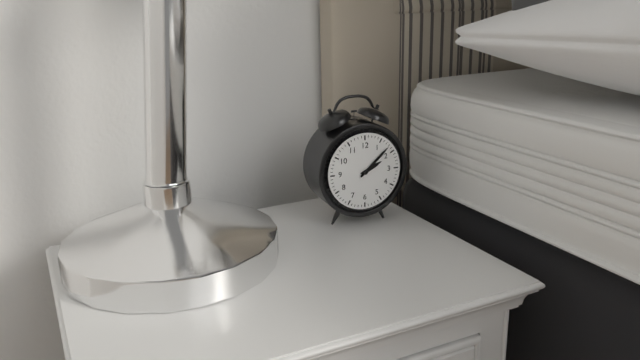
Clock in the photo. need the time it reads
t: 2:08
